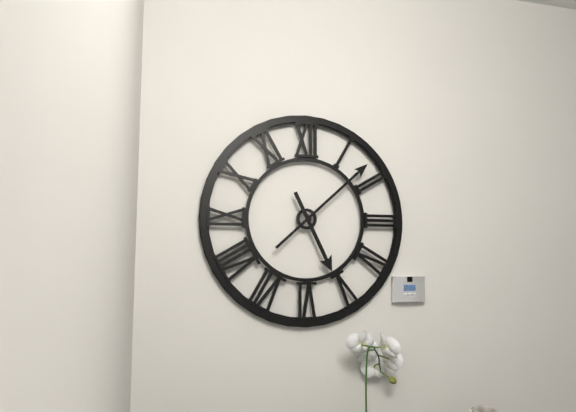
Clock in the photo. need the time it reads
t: 5:08
